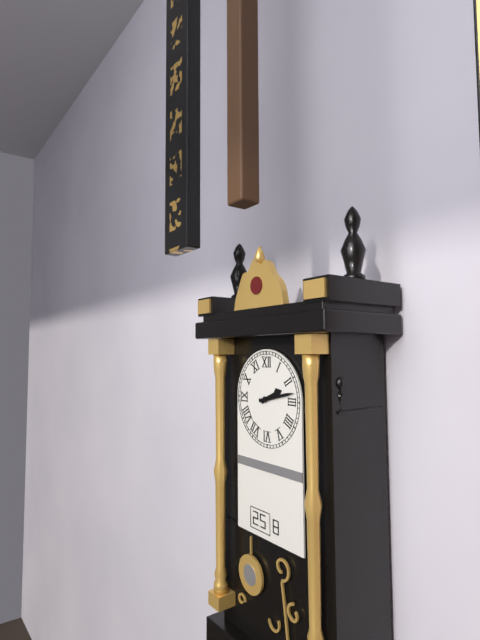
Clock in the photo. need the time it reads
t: 2:13
